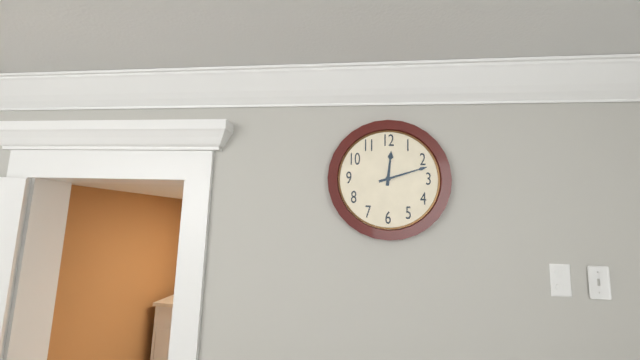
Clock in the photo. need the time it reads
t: 12:12
